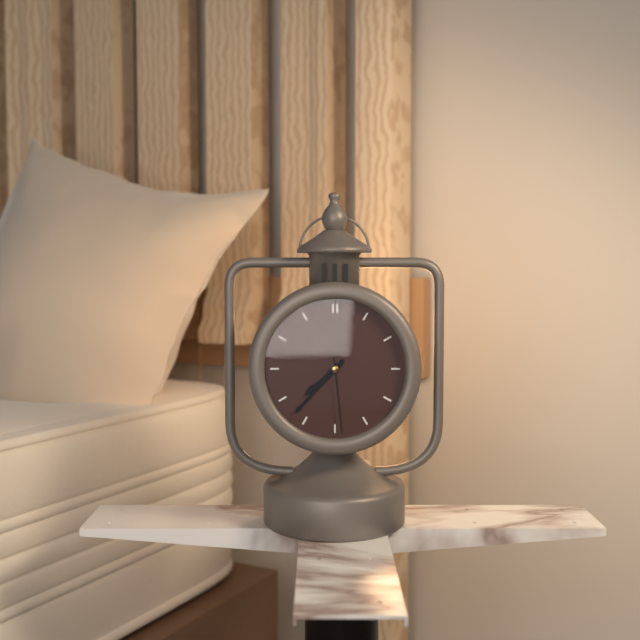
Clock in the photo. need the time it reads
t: 7:37:29
